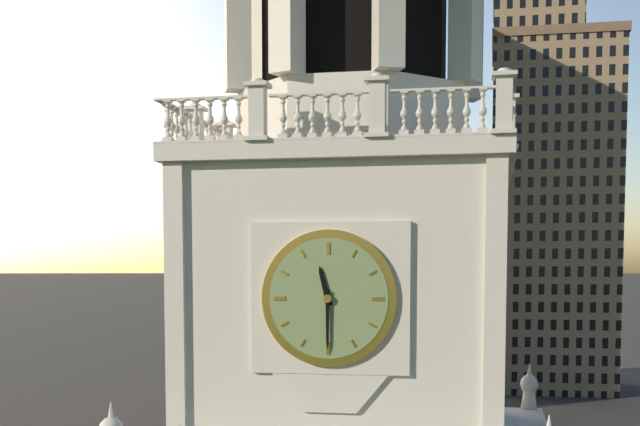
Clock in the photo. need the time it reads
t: 11:30
